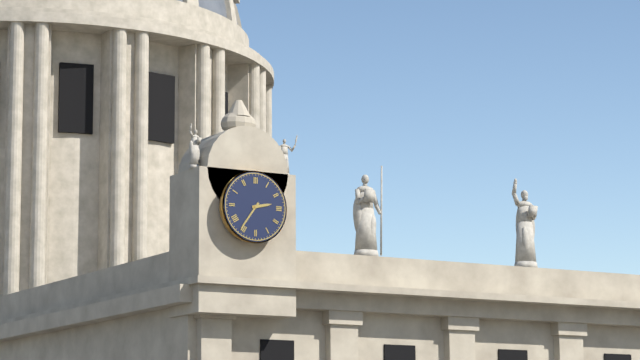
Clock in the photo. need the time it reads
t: 2:36
